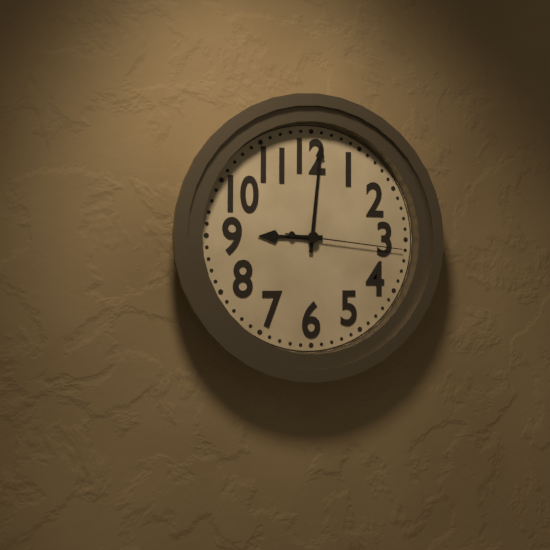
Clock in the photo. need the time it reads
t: 9:01:16
